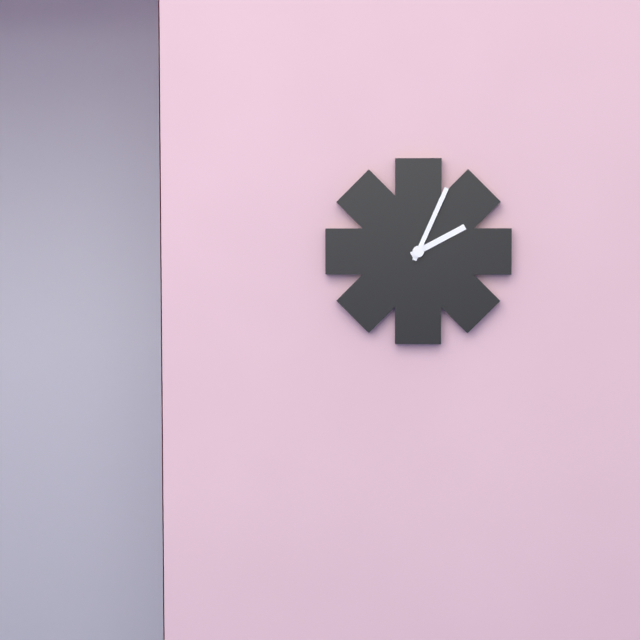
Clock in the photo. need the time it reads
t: 2:04
